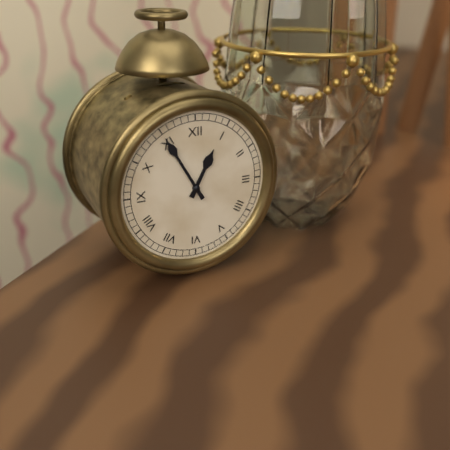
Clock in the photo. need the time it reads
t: 12:55
